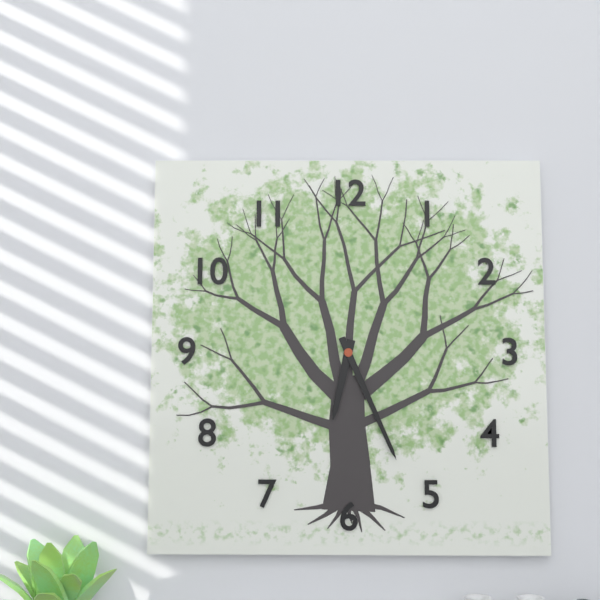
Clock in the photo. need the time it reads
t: 6:26
